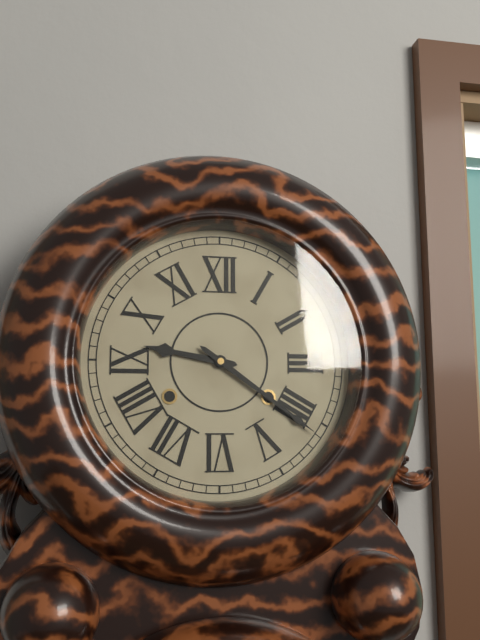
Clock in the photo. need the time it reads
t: 9:21
